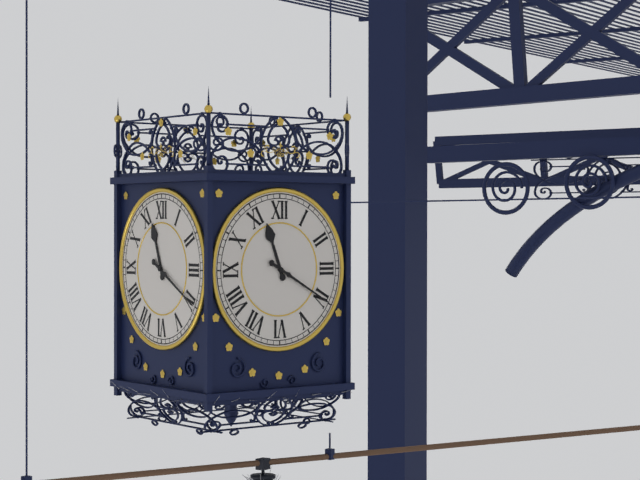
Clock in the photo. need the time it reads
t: 11:20
